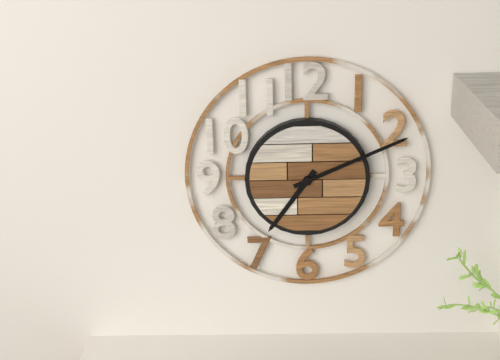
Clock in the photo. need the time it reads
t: 7:11
